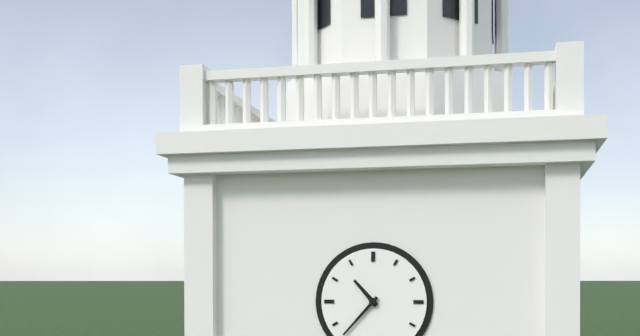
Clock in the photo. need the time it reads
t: 10:37
